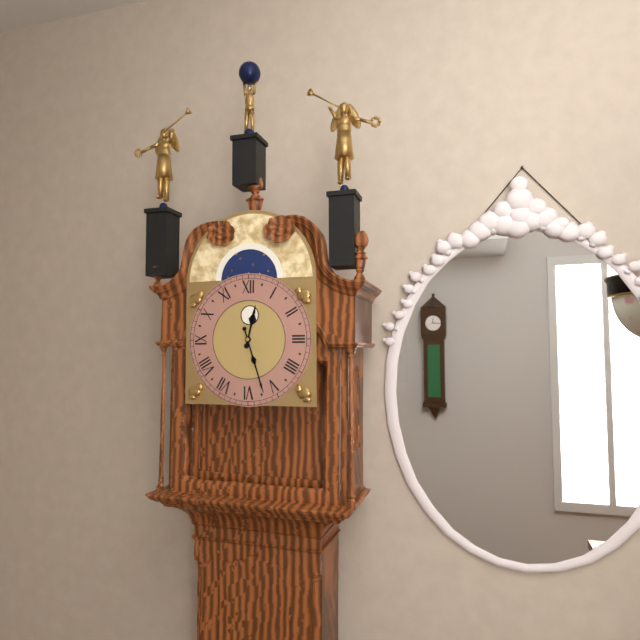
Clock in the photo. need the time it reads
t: 12:27
